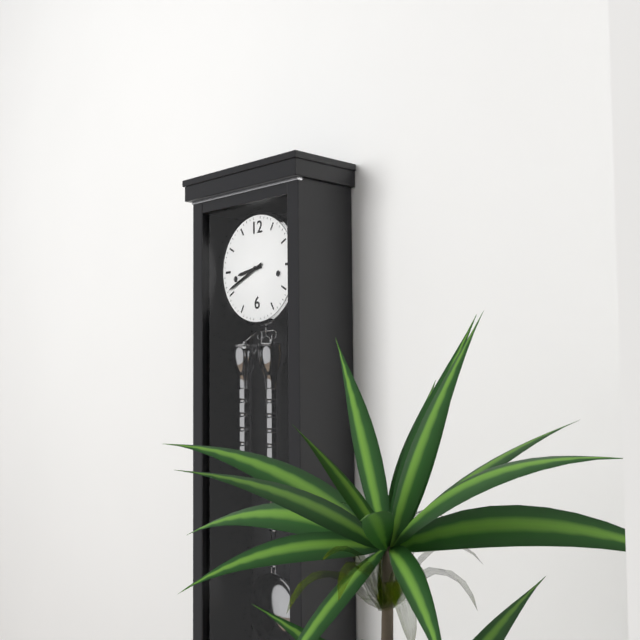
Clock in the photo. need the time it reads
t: 8:41
